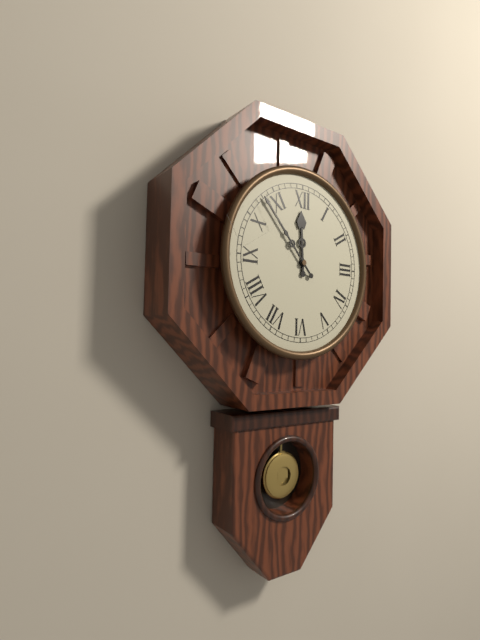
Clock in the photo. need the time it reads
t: 11:53
